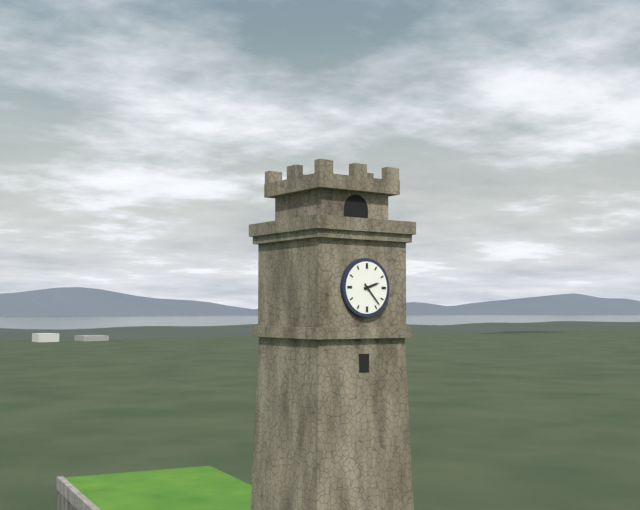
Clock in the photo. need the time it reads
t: 2:23
